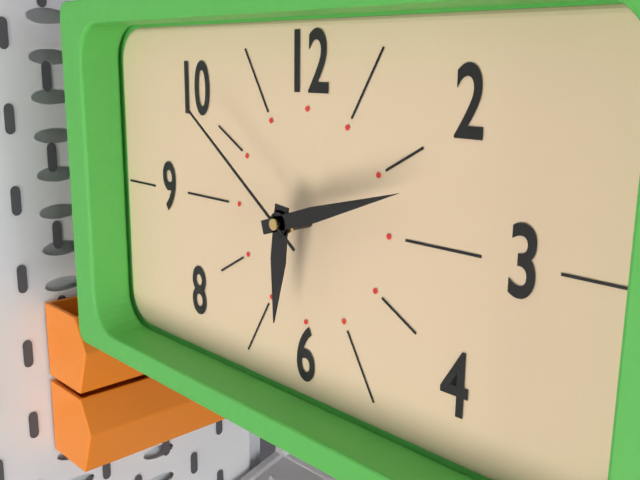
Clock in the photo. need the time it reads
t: 6:12:51
